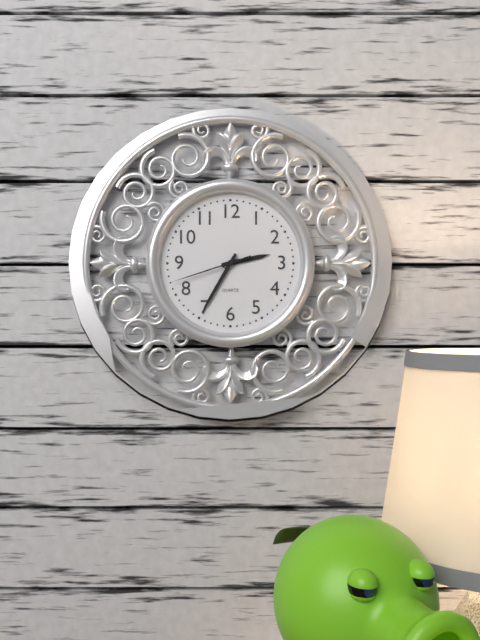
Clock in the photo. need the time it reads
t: 2:35:42
